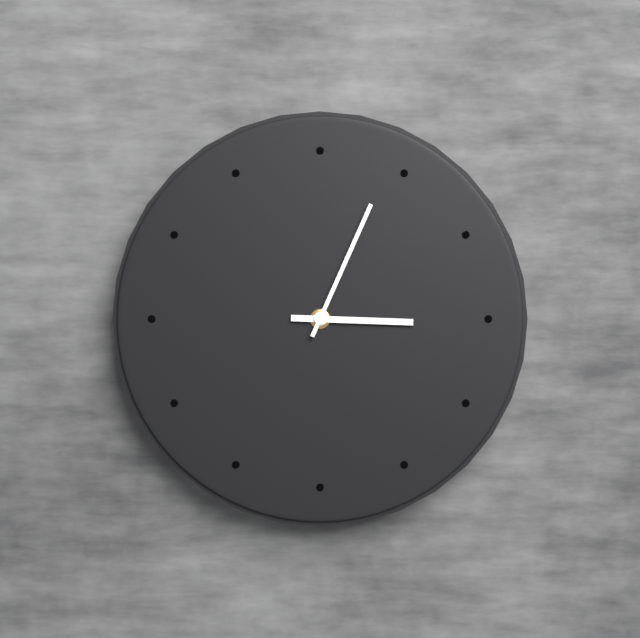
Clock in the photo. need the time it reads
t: 3:04
